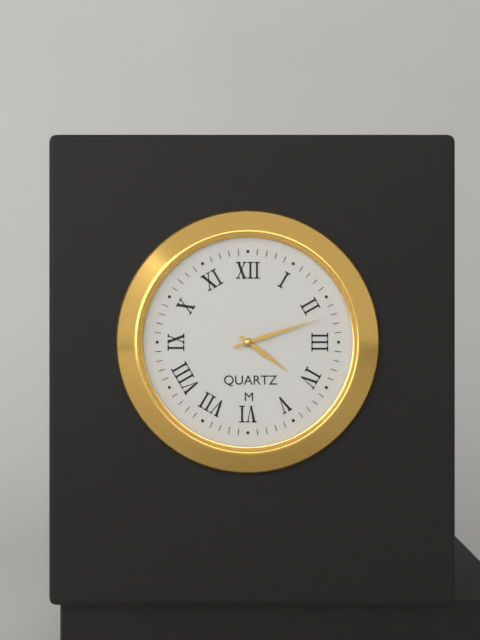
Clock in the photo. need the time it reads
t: 4:12
